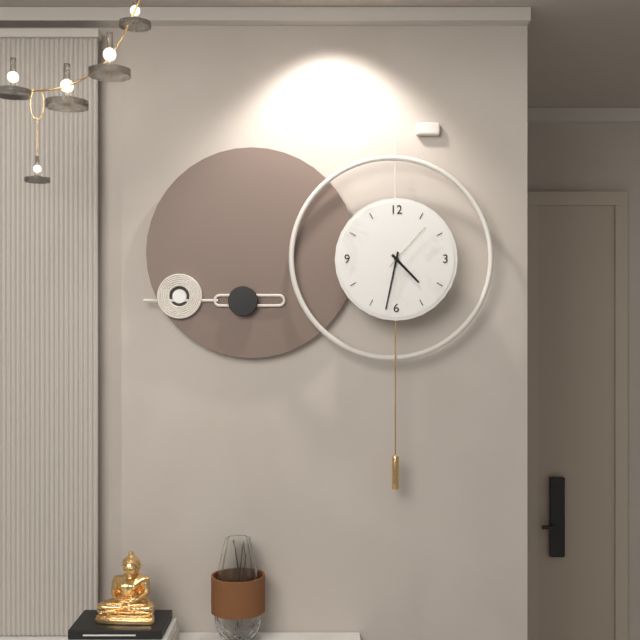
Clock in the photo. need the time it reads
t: 4:32:07
